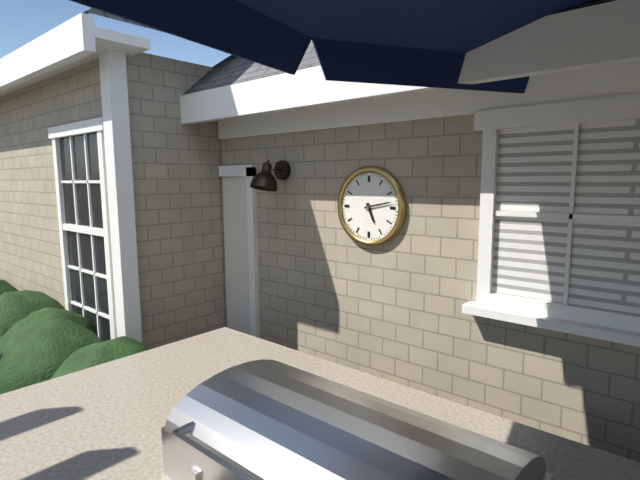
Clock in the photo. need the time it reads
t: 5:13
